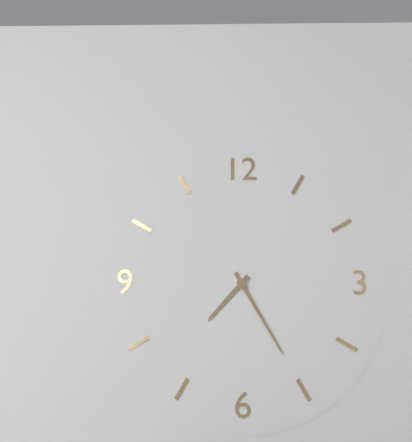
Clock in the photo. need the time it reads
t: 7:25
